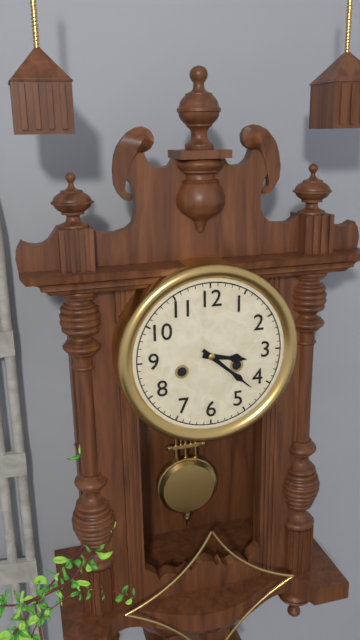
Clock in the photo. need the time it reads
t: 3:22
